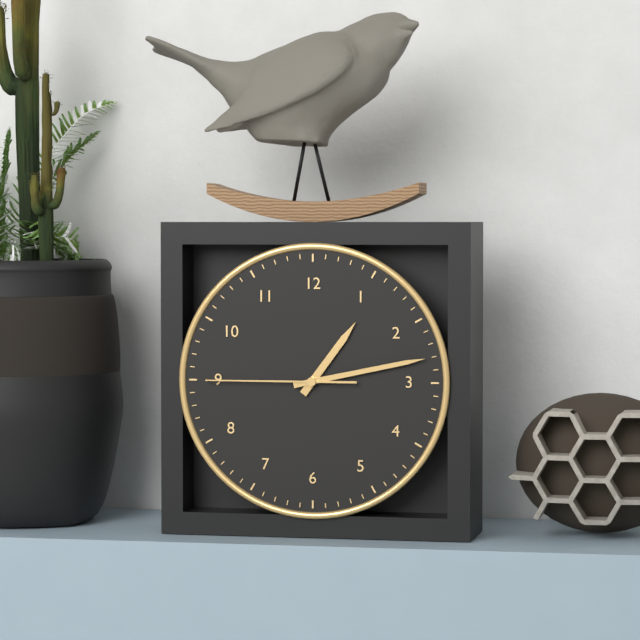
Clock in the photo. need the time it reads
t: 1:13:45
